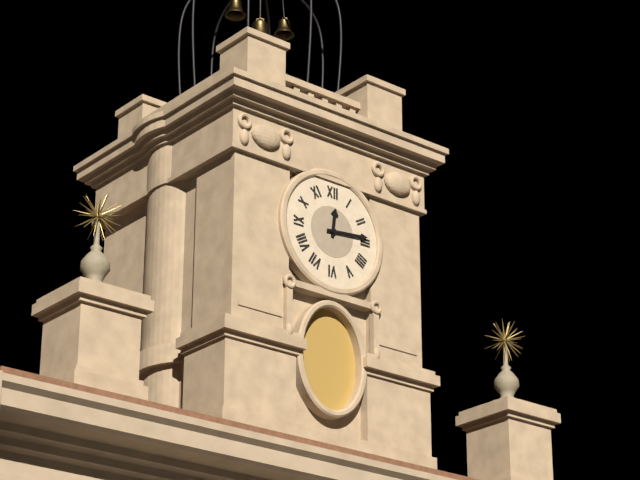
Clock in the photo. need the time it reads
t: 12:14
